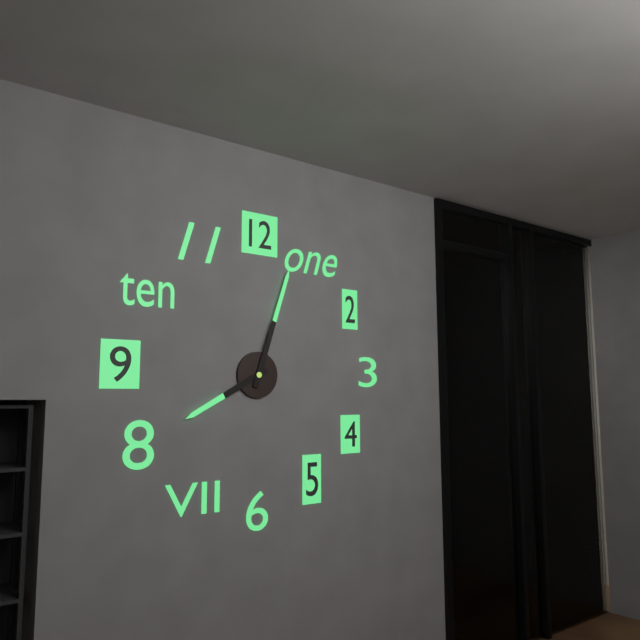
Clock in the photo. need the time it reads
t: 8:03
